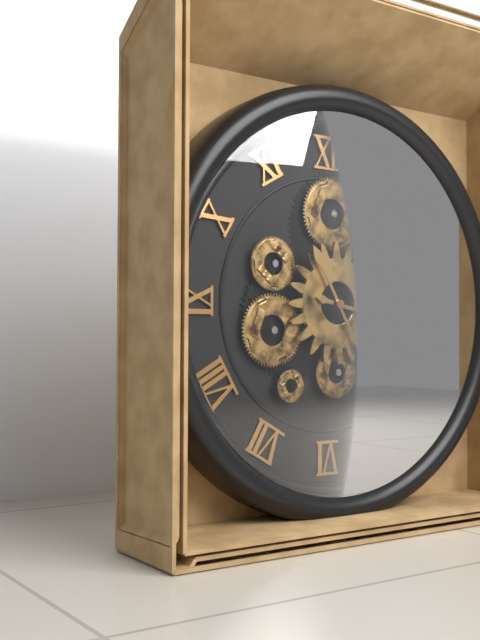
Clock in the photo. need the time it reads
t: 3:25
